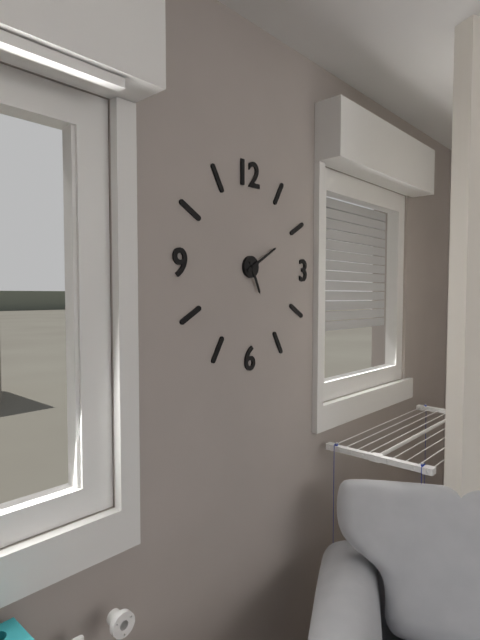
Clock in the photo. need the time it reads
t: 5:10
